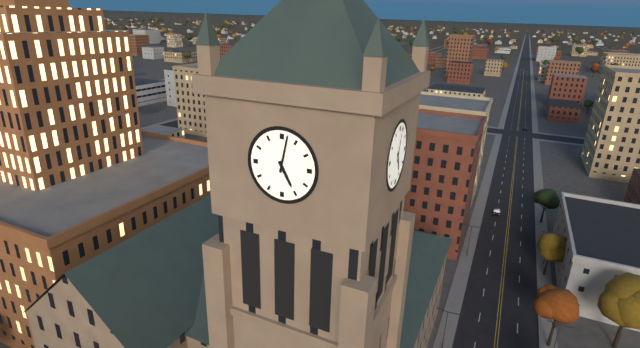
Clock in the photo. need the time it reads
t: 5:02
